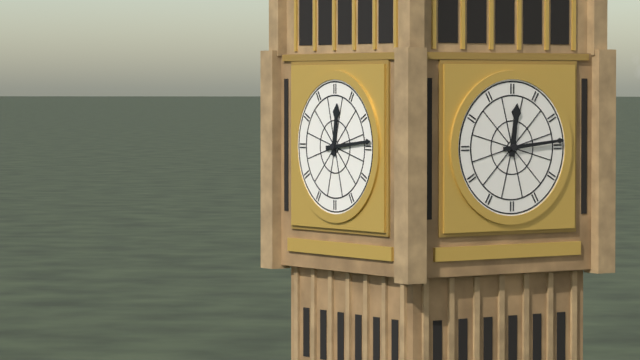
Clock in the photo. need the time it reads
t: 12:14
